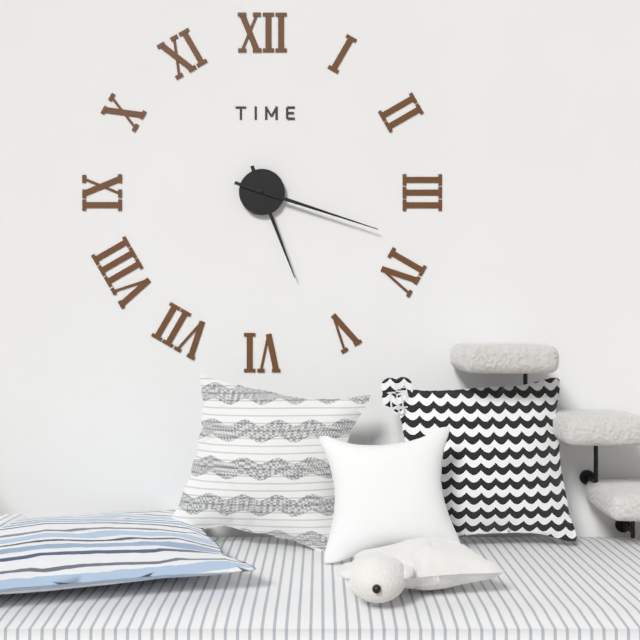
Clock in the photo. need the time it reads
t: 5:18
